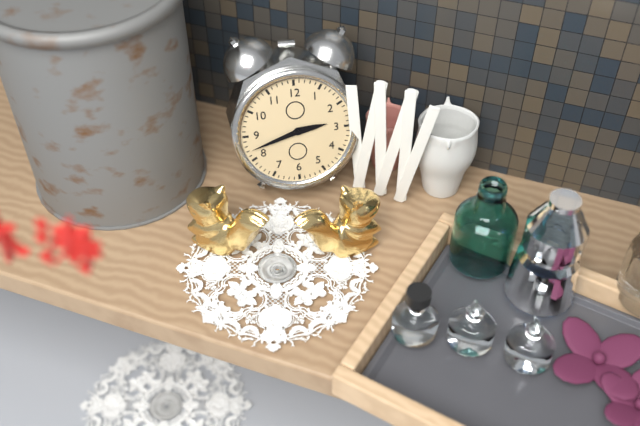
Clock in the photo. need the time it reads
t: 2:42
